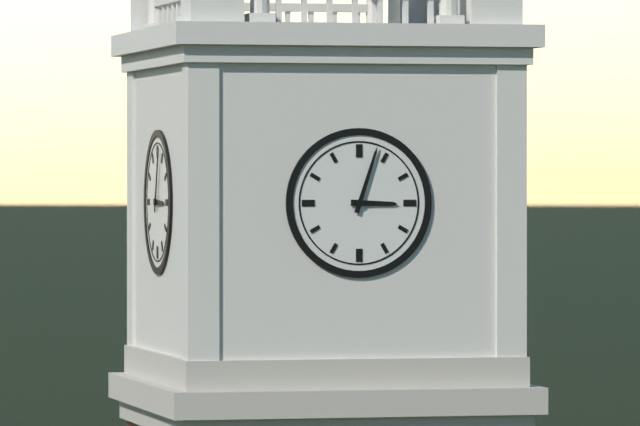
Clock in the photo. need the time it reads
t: 3:03
